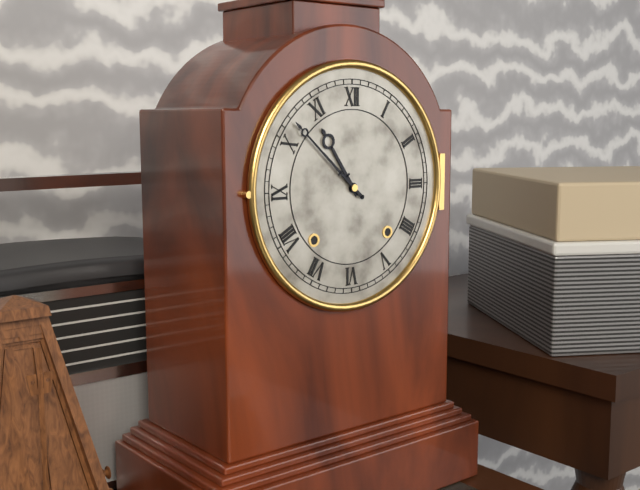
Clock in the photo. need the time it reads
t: 10:52
